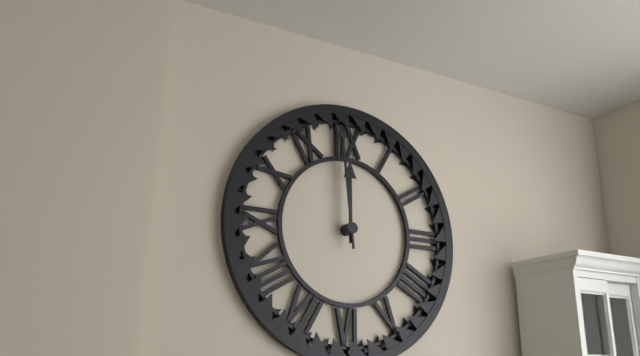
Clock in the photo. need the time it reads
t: 11:59
